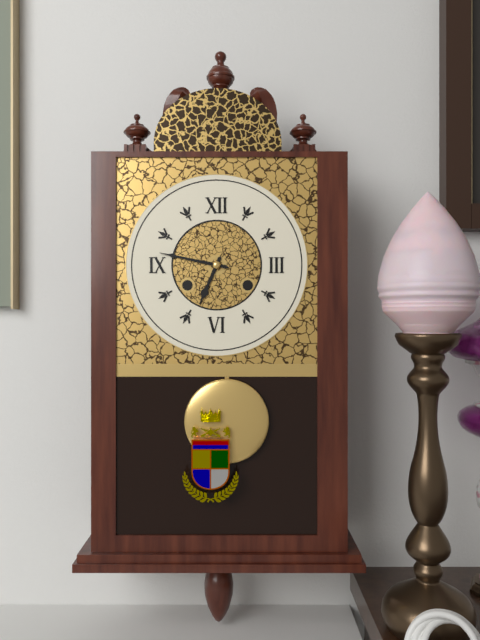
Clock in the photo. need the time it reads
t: 6:47
